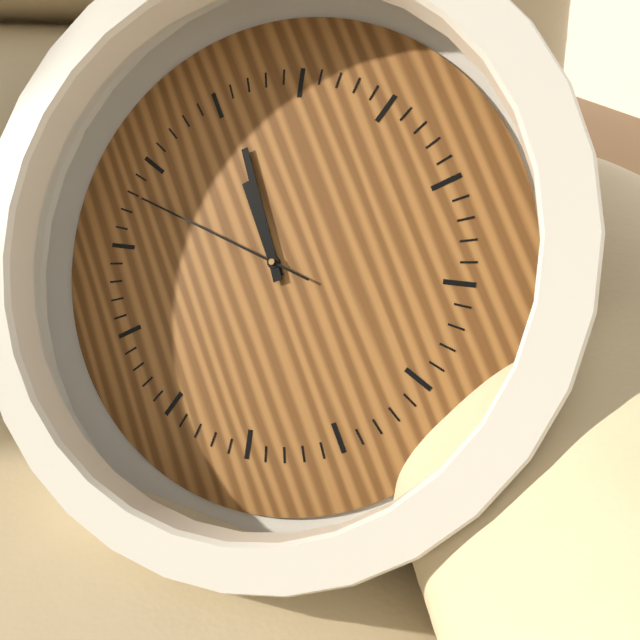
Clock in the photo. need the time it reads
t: 12:01:53
